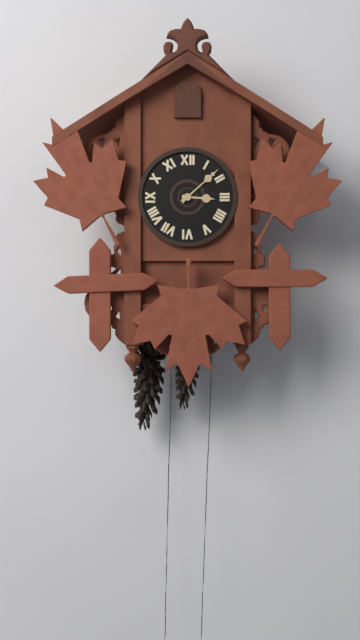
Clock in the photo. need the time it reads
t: 3:08
